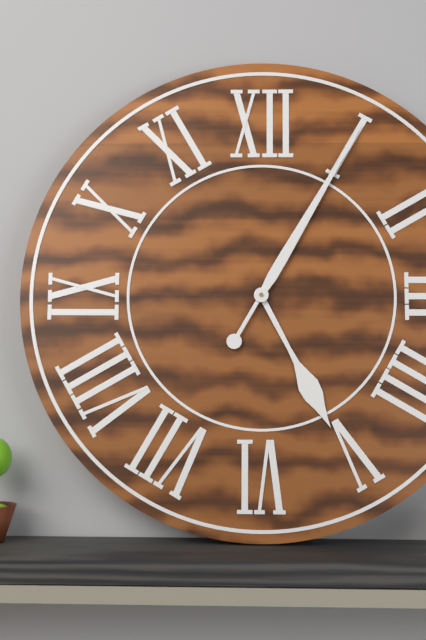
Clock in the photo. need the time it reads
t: 5:05
